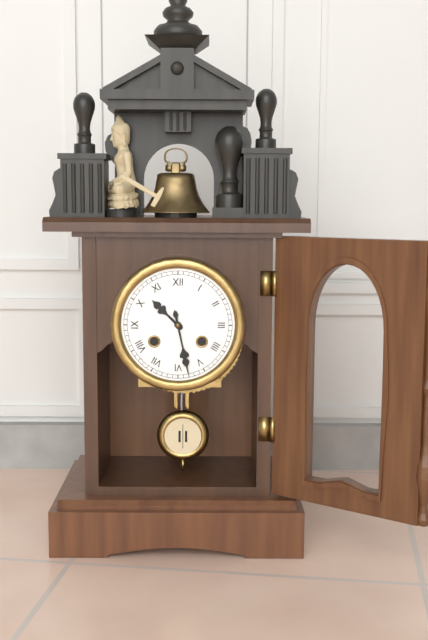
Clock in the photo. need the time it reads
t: 10:28
